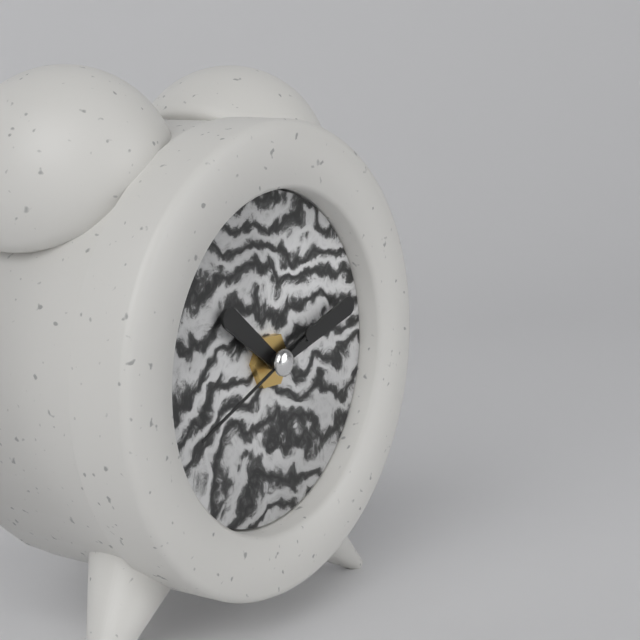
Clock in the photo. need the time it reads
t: 10:12:41
